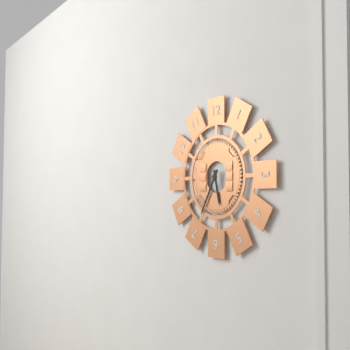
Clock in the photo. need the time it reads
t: 5:35
